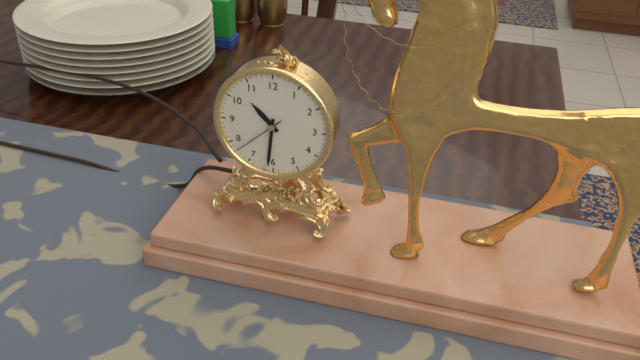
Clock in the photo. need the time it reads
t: 10:31:38
